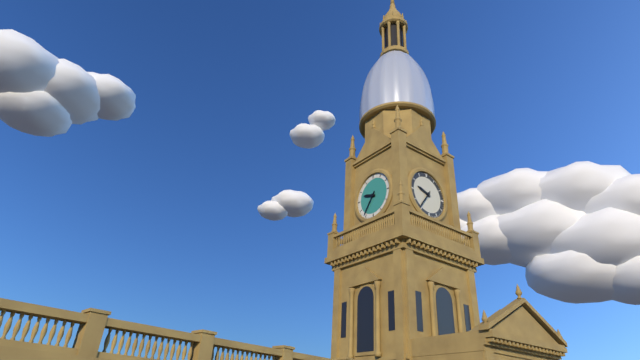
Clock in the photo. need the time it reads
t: 9:36
